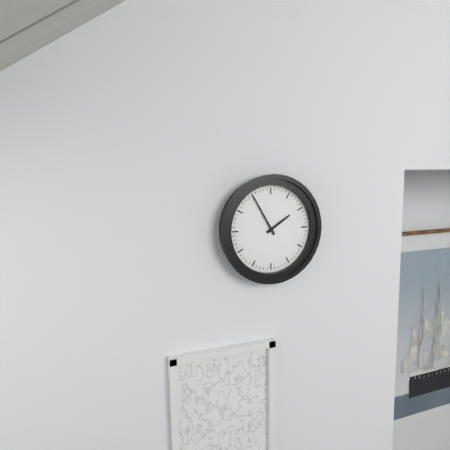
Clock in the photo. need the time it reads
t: 1:55
